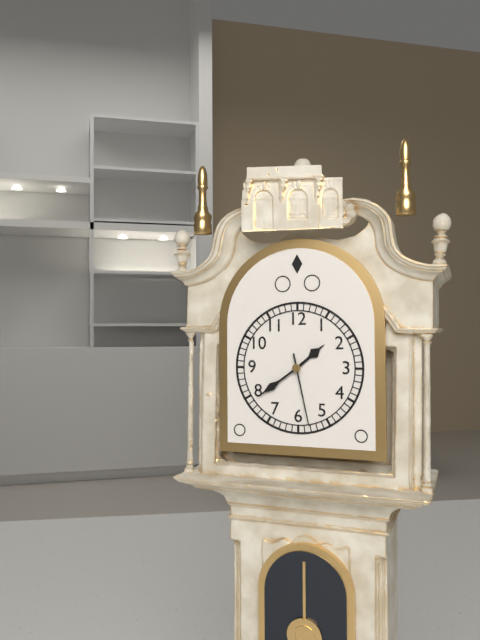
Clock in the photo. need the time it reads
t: 1:39:28
